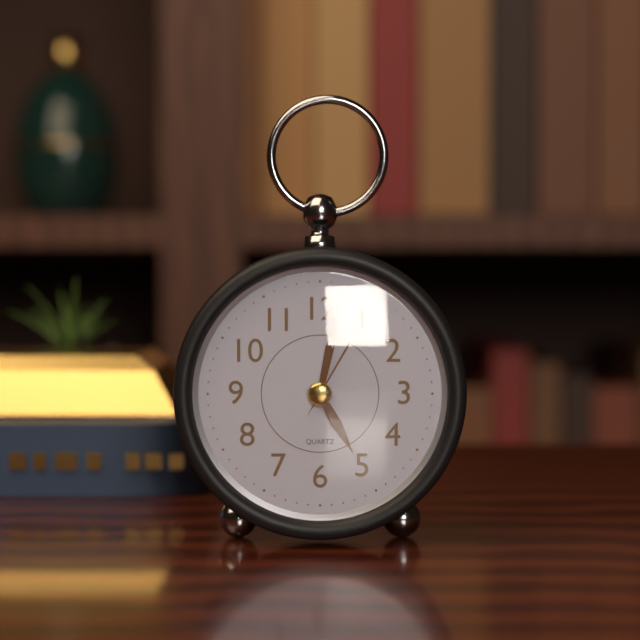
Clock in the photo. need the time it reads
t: 5:02:05
